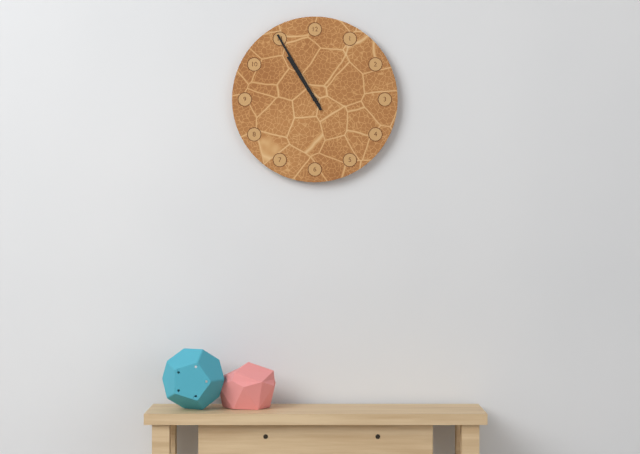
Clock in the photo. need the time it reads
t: 10:55
